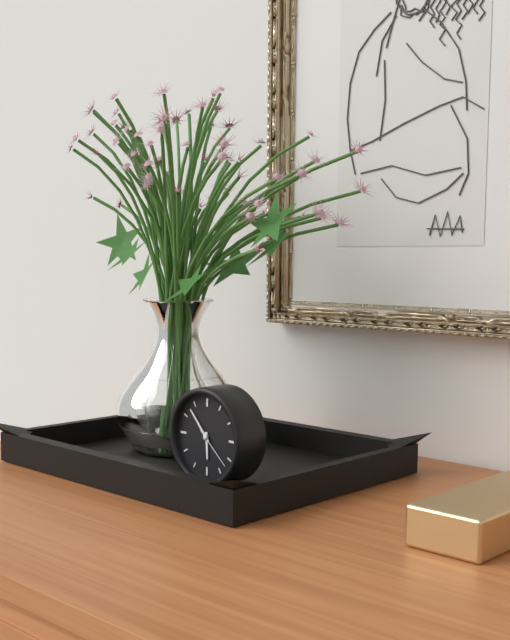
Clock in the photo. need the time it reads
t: 5:53
